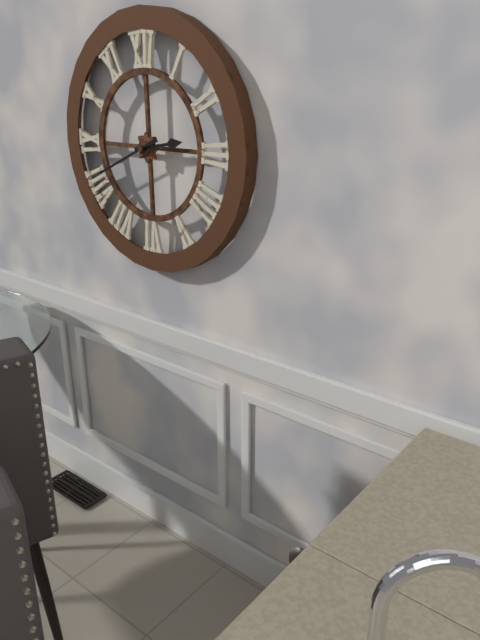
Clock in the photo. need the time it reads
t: 2:41
